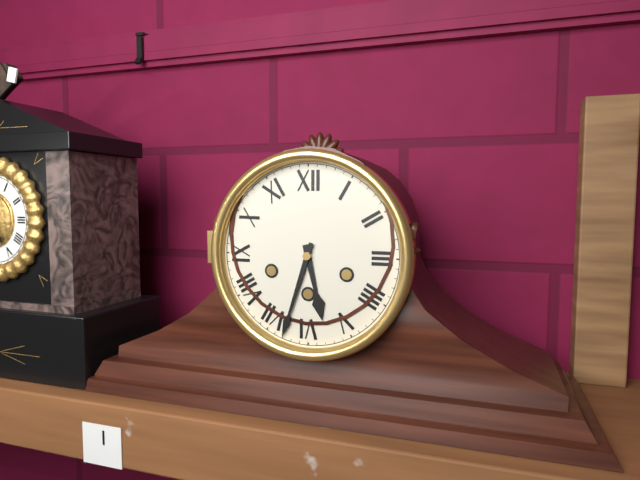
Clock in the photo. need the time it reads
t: 5:33
